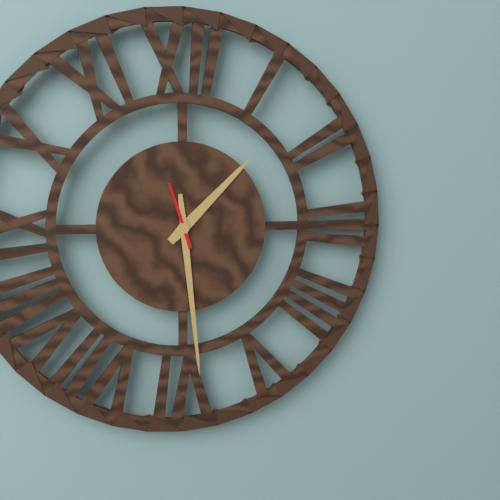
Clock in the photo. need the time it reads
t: 1:29:57
